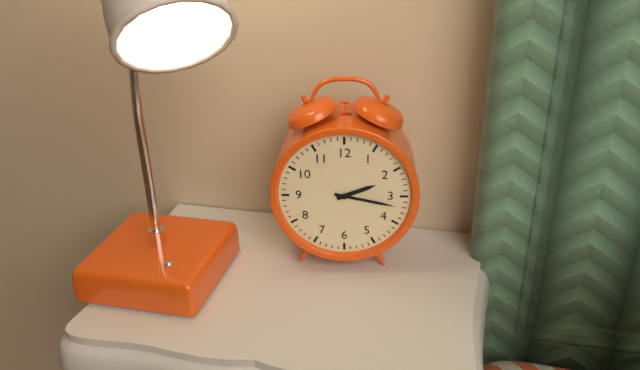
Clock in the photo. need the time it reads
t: 2:17
